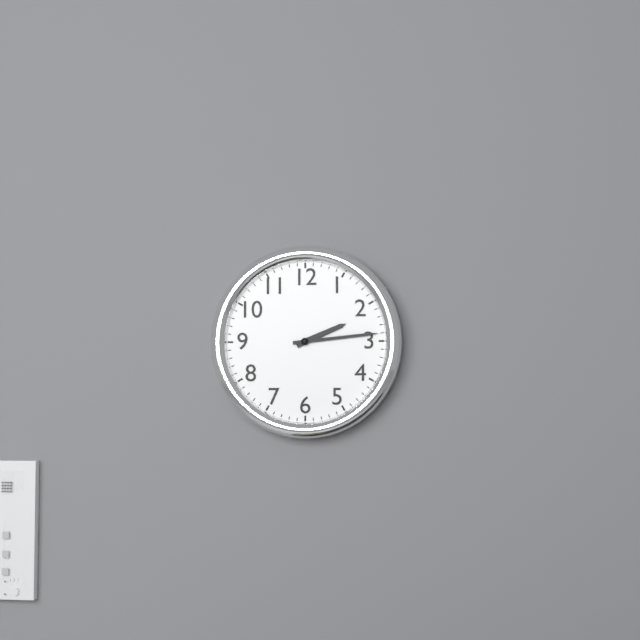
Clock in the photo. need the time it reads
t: 2:14
